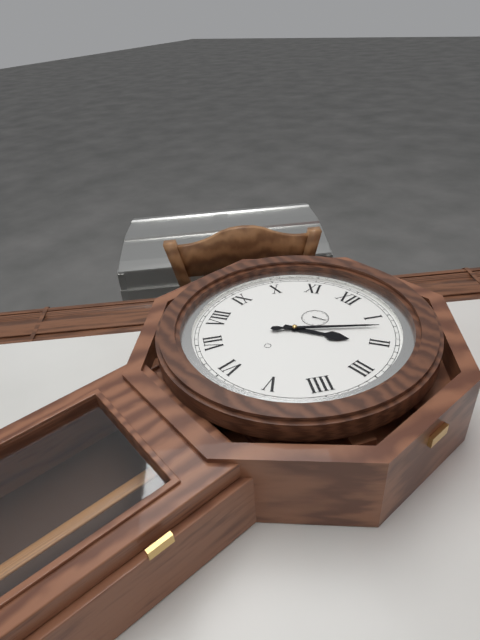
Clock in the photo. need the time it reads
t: 2:07
